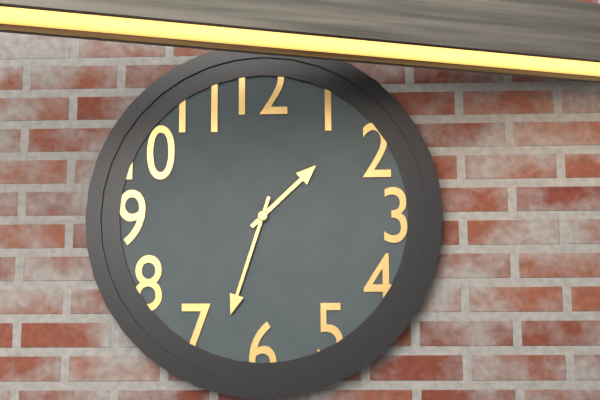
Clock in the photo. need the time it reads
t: 1:33
